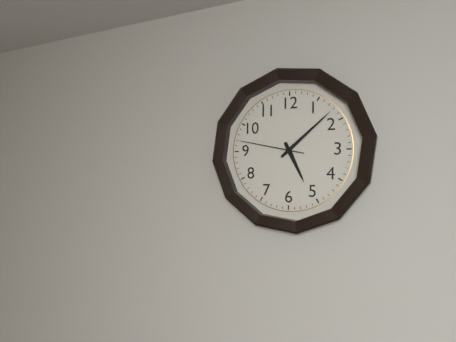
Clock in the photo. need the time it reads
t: 5:08:47
